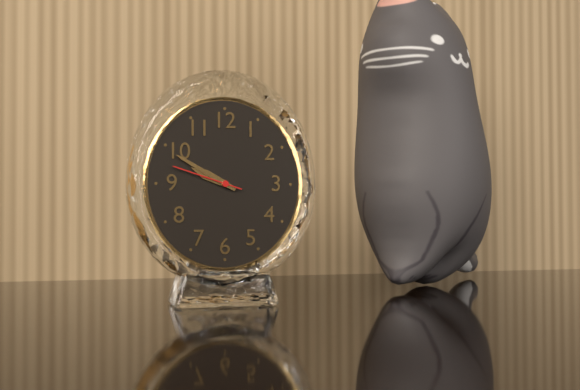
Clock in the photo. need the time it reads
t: 9:50:48
